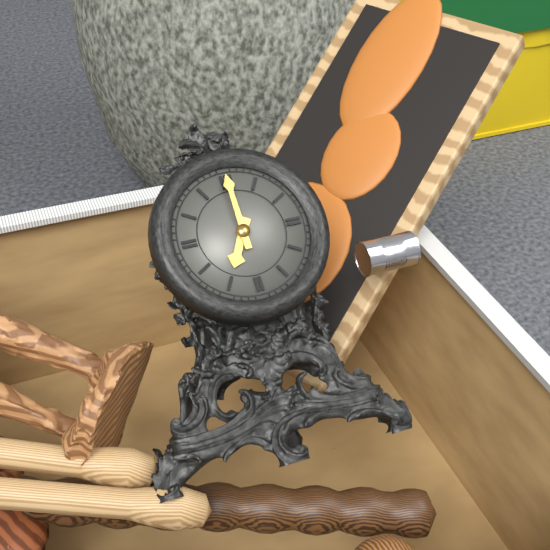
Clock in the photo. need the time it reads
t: 7:00
